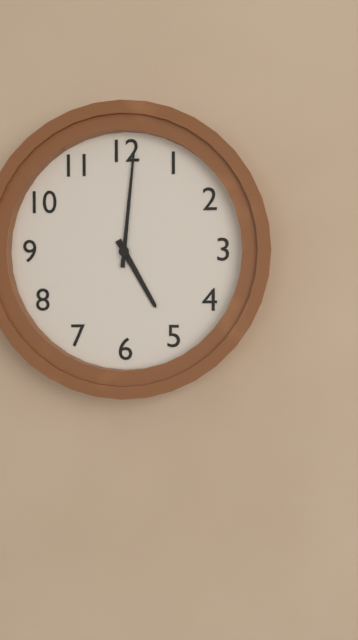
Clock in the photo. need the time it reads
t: 5:01
